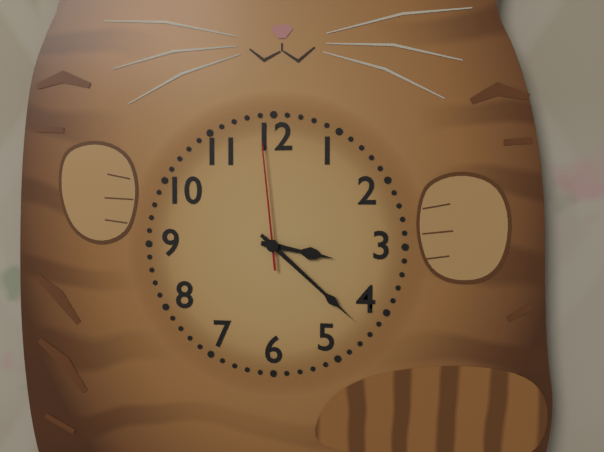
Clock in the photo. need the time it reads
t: 3:22:59
